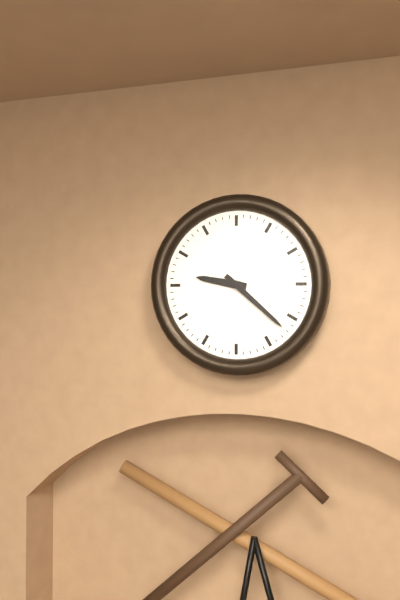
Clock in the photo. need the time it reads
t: 9:22
